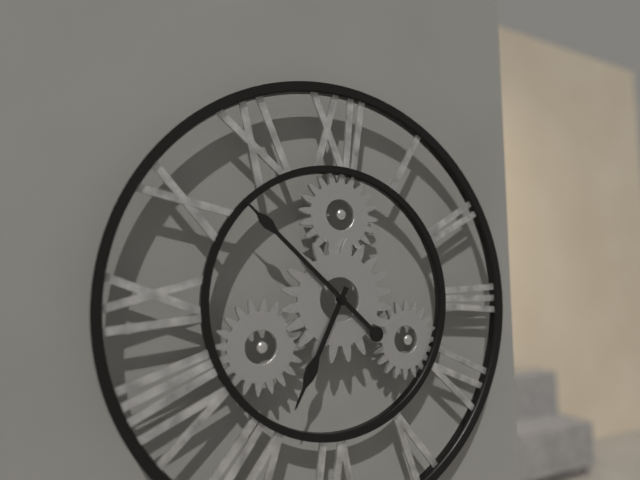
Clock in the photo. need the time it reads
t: 6:52
